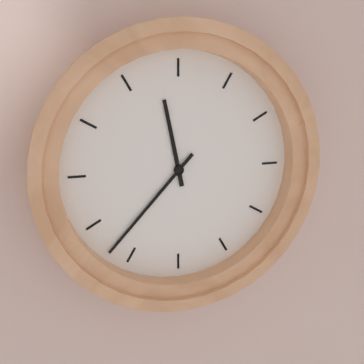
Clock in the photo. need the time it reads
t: 11:37
